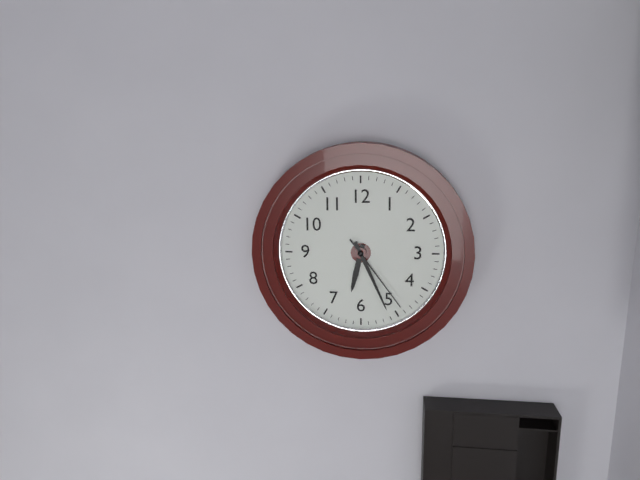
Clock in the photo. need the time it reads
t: 6:26:24
